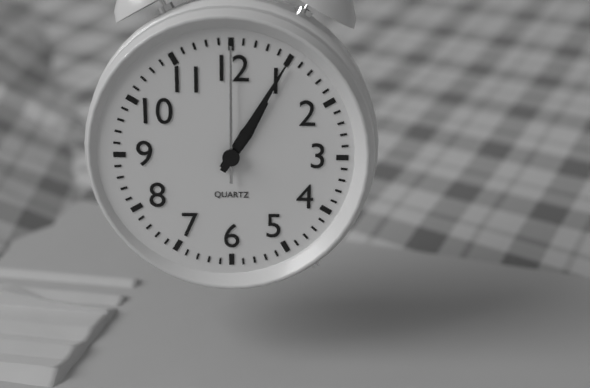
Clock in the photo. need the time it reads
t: 1:05:00
